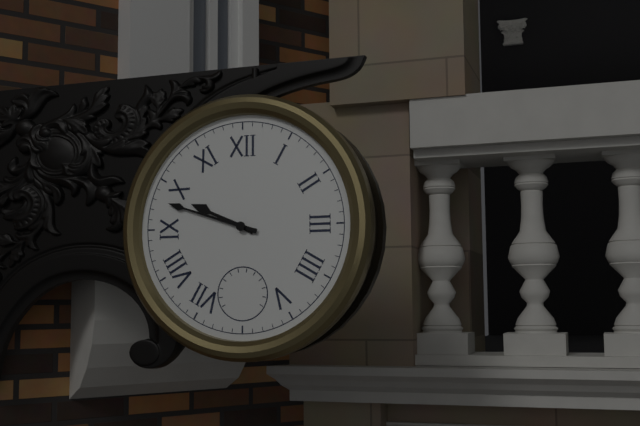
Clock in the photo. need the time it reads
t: 9:48
